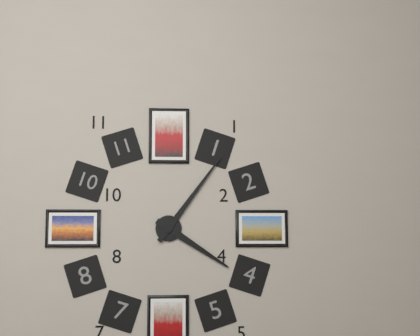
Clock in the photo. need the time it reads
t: 4:06
